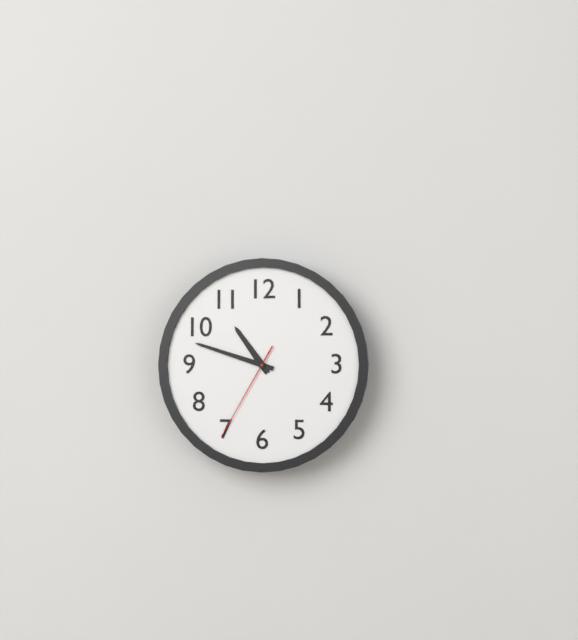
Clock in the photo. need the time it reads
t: 10:48:35
